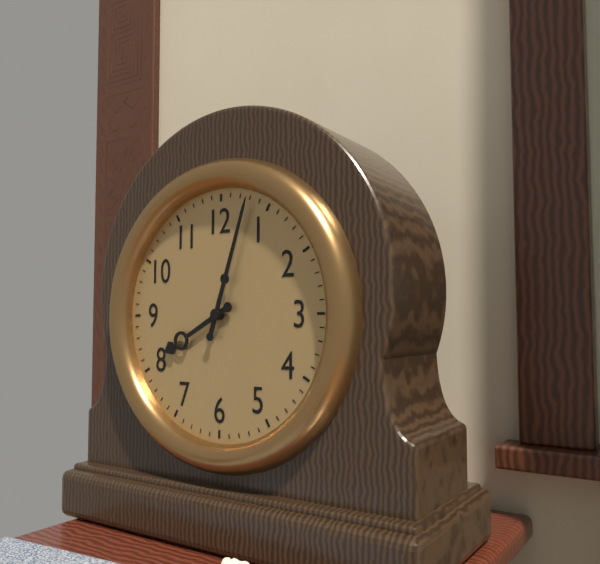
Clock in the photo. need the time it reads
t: 8:03
